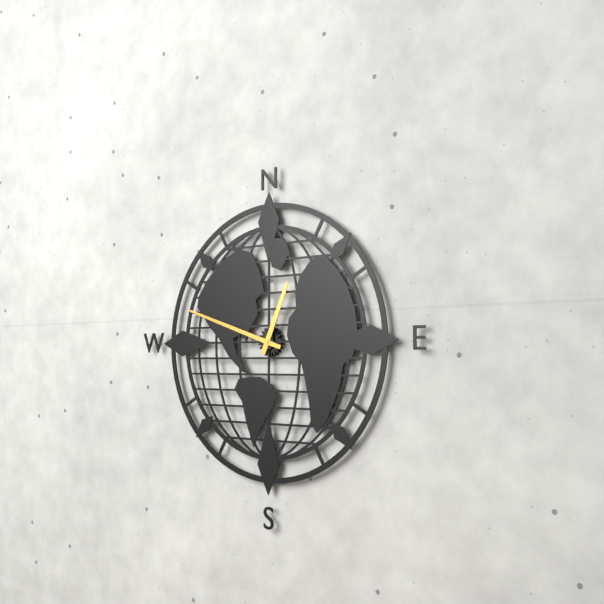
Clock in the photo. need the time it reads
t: 12:48
